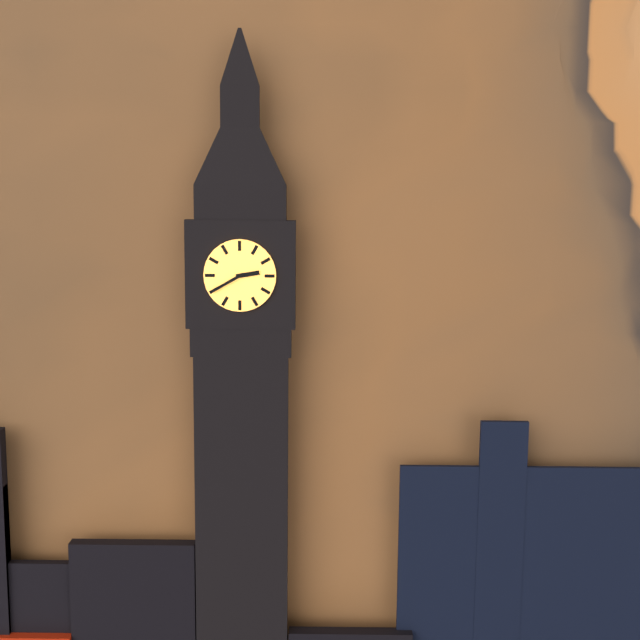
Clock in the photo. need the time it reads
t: 2:40
